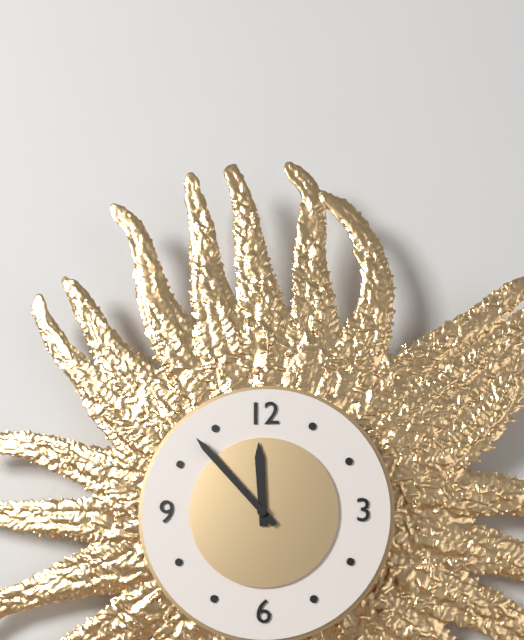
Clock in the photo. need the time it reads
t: 11:53
